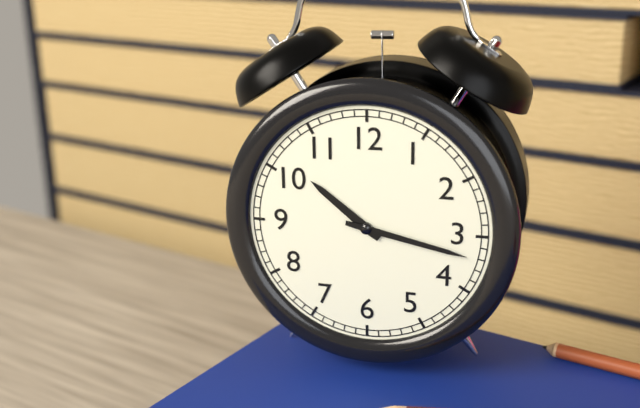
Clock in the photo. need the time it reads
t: 10:17
